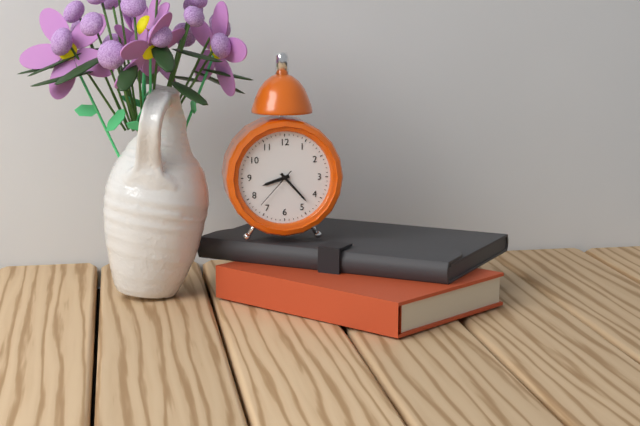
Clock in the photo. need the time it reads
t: 8:23
